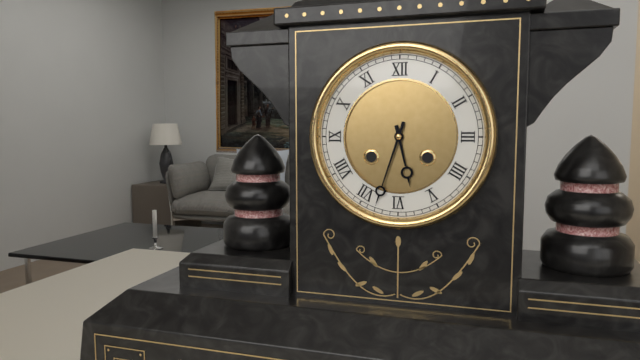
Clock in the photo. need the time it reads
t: 5:33
